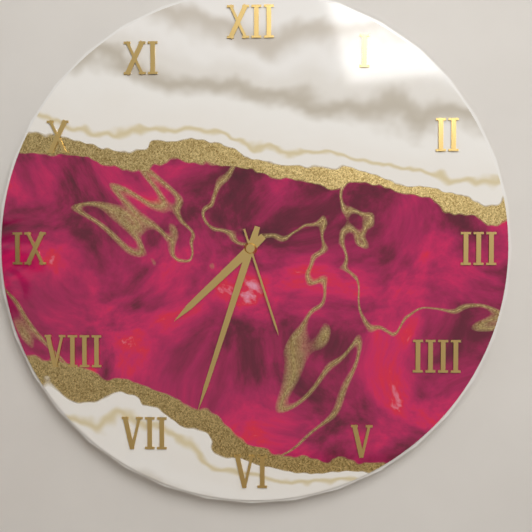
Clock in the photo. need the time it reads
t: 7:33:27
